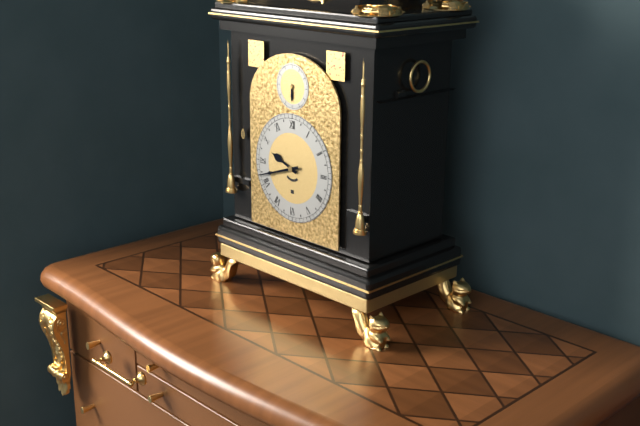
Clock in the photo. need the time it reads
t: 9:42
